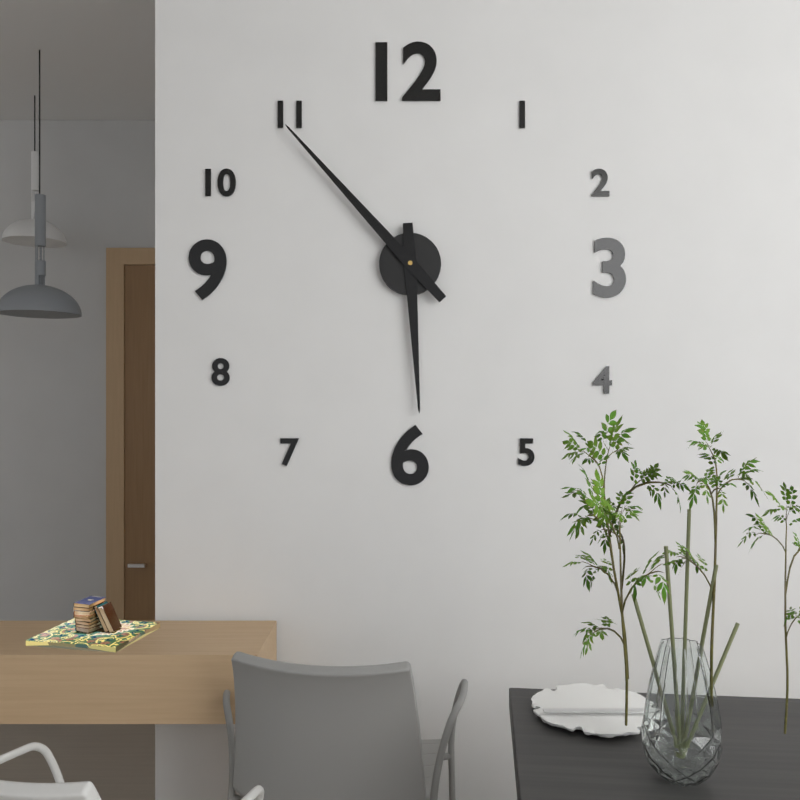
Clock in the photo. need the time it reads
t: 5:53
